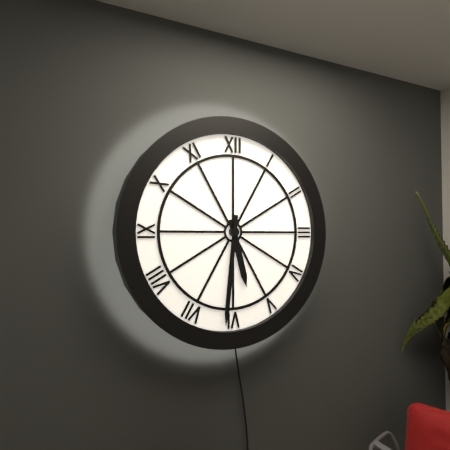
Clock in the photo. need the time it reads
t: 5:31
